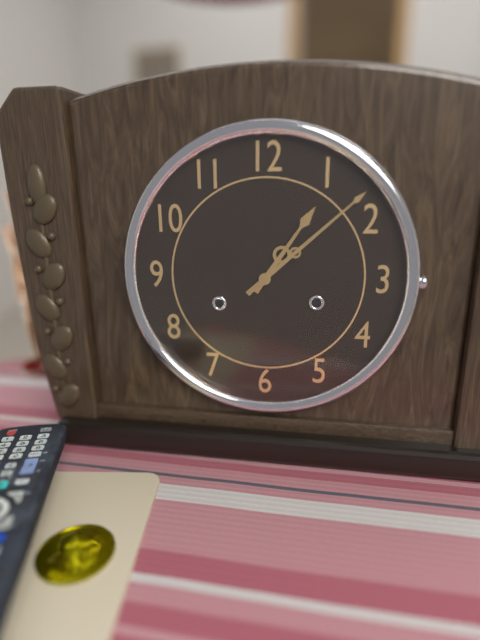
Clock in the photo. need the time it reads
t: 1:08
